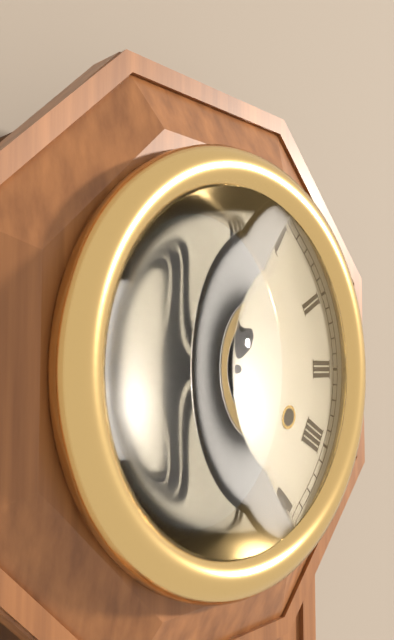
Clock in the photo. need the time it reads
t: 5:35
